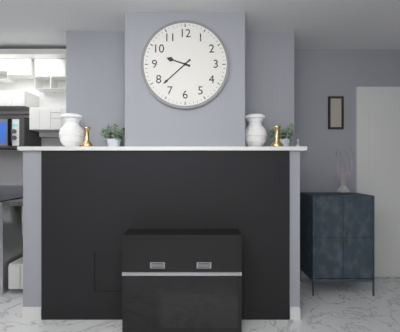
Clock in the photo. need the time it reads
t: 9:38
